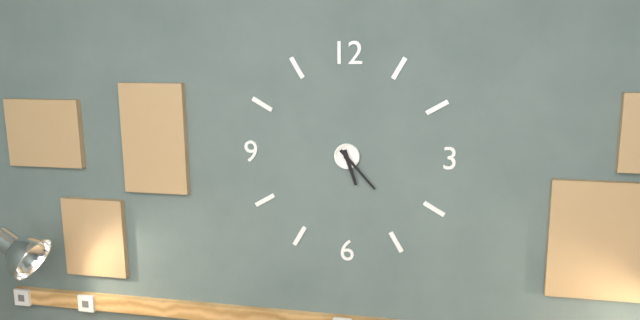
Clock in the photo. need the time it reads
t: 5:23
